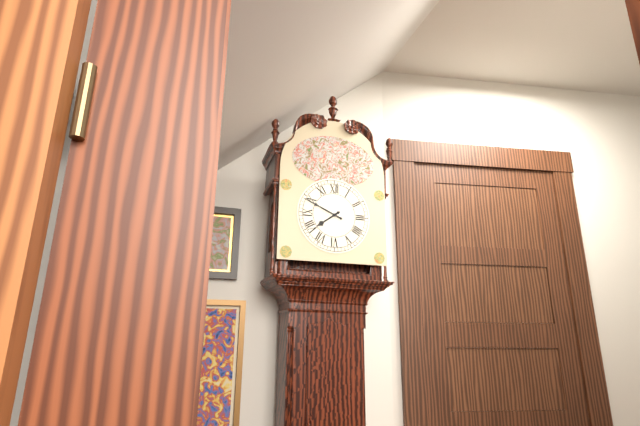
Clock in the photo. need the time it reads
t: 7:49
